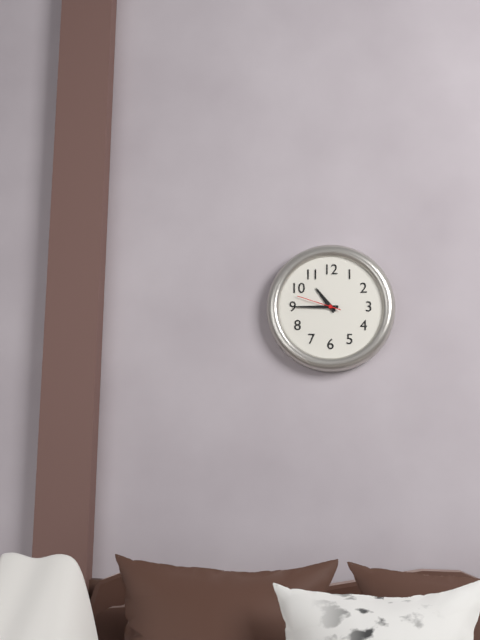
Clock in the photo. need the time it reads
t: 10:45
